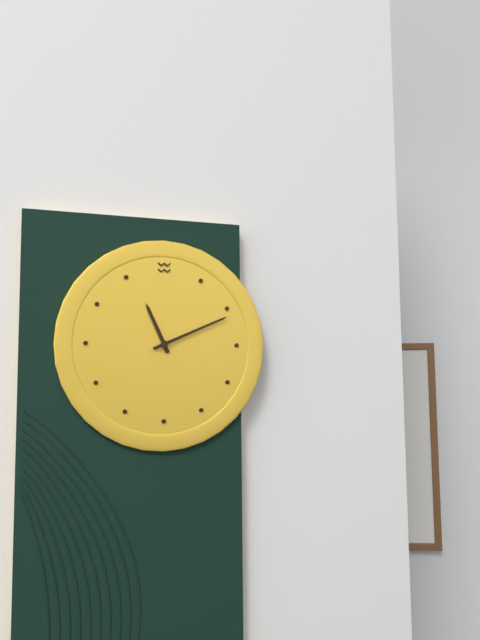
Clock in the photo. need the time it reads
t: 11:11
